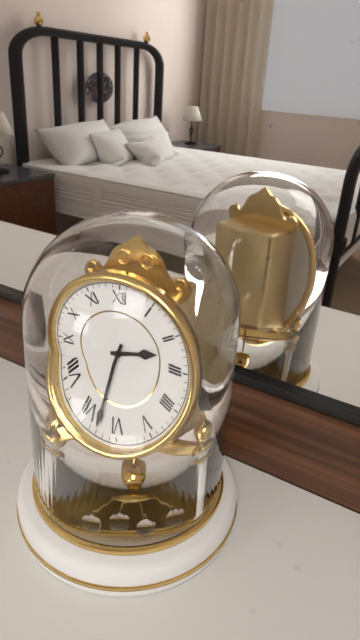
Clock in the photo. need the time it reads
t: 2:33
